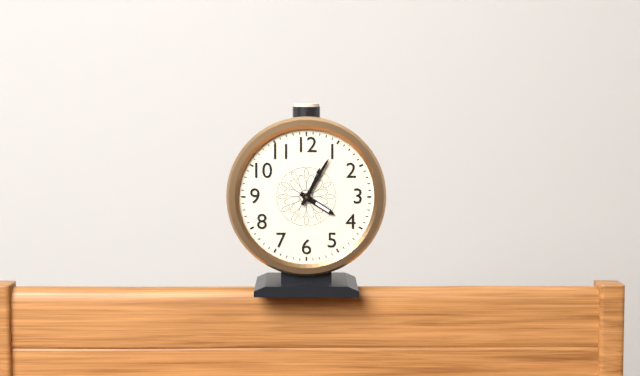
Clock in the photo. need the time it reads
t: 4:05
